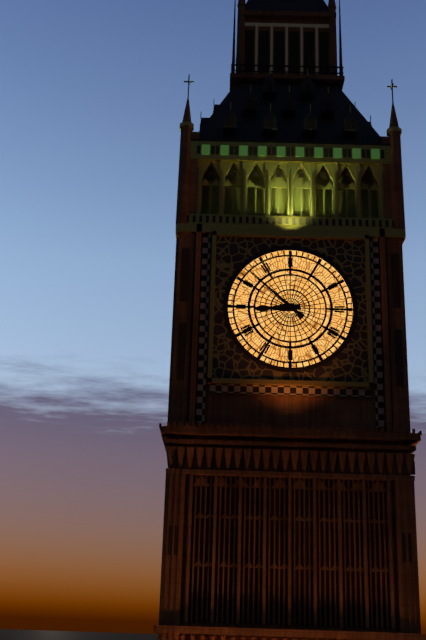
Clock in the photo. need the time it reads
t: 8:52
